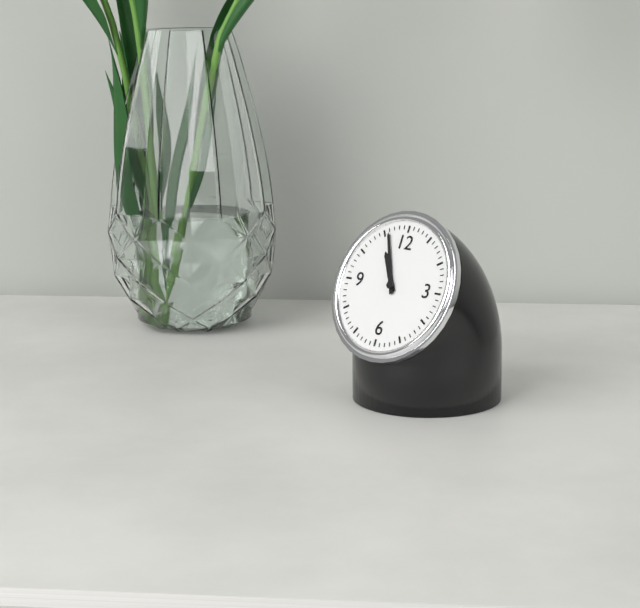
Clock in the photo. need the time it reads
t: 10:56
